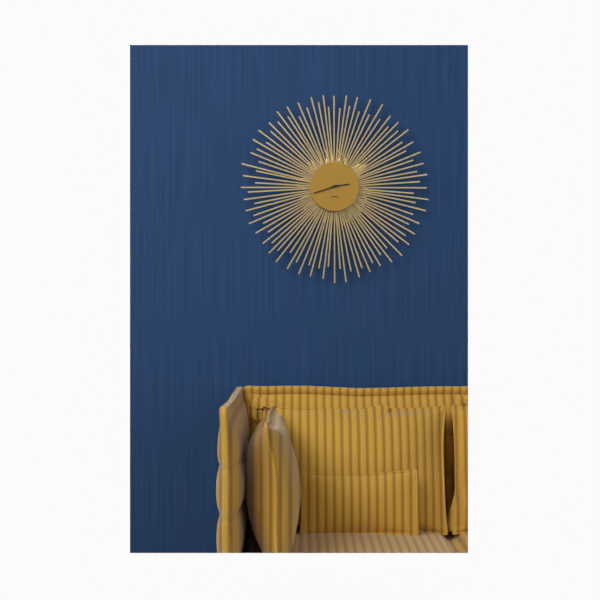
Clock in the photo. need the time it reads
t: 2:42
